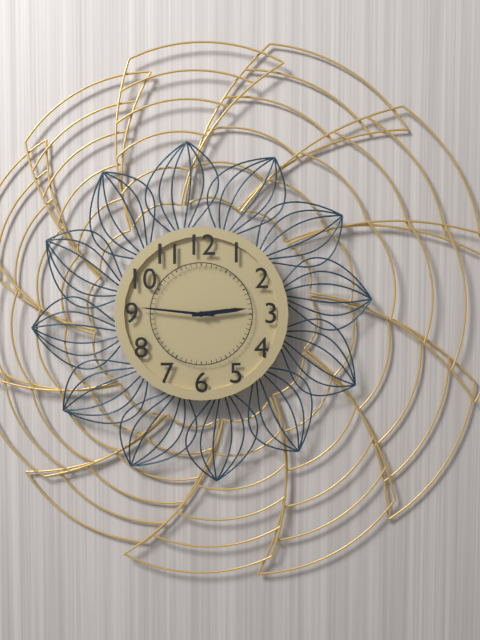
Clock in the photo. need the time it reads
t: 2:46
